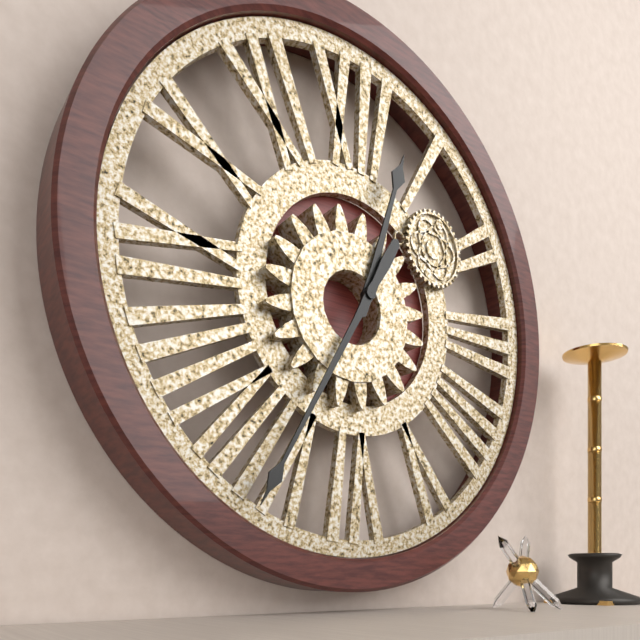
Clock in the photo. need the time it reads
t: 12:35
